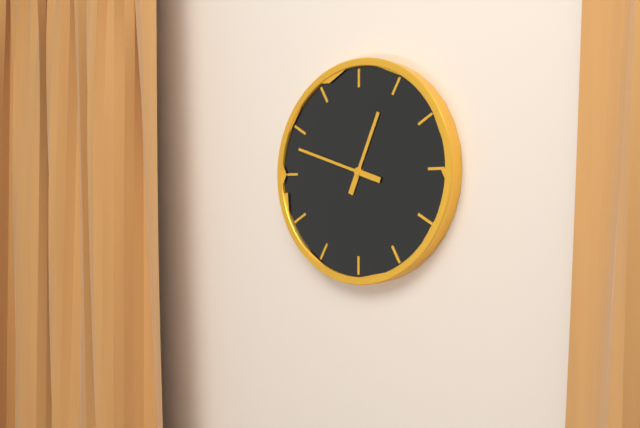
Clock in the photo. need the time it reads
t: 12:48
